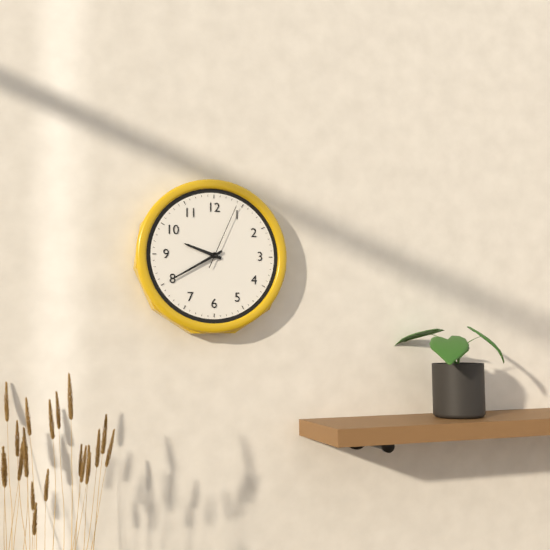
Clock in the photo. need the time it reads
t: 9:40:04
